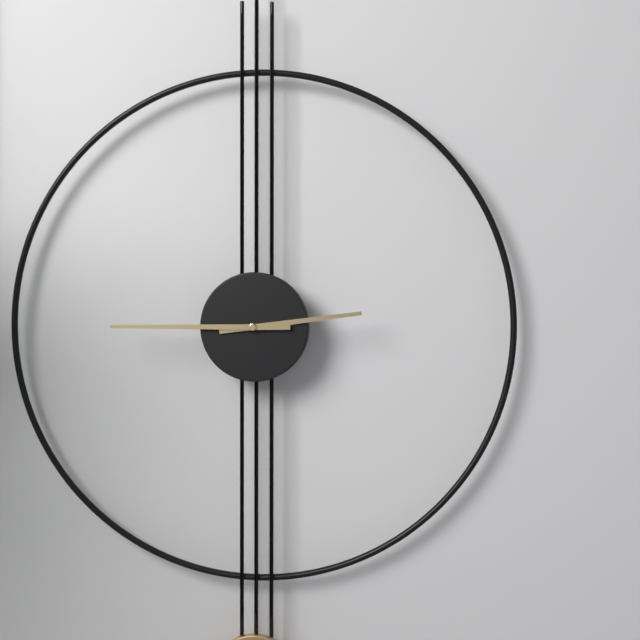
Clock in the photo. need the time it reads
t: 2:45
